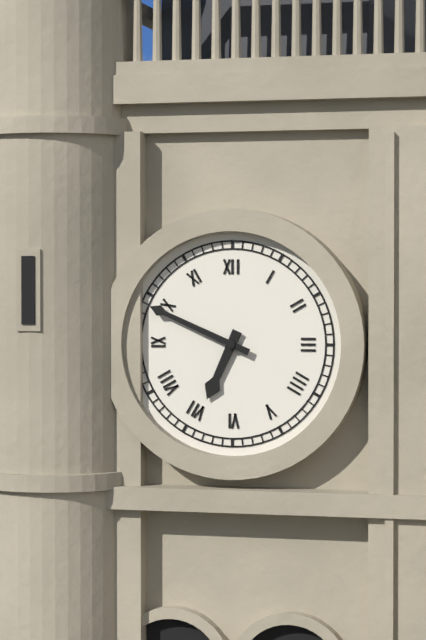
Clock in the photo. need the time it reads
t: 6:49
